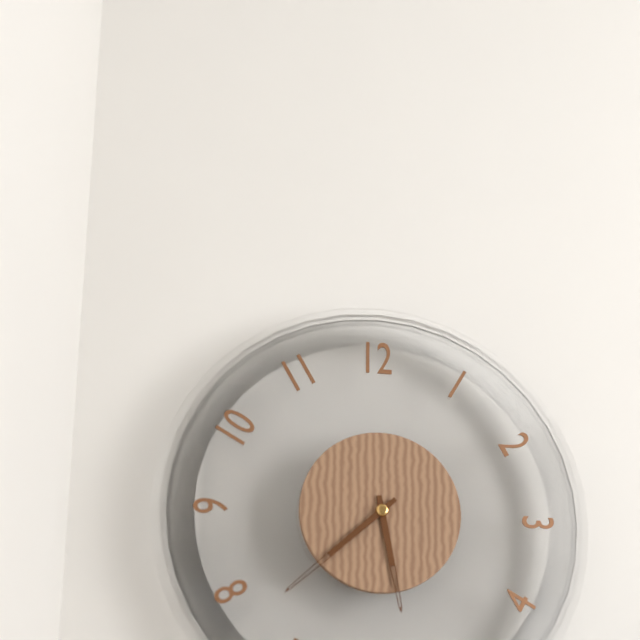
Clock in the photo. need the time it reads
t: 5:38
